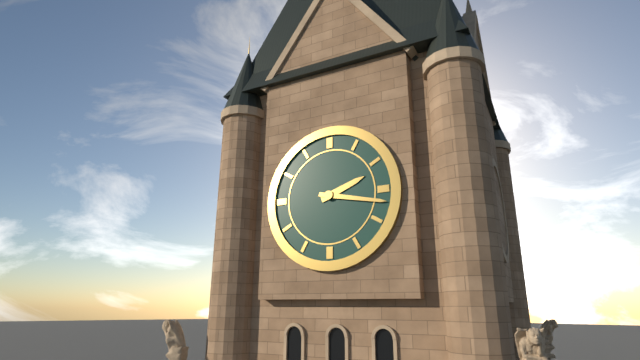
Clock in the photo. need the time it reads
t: 2:17
